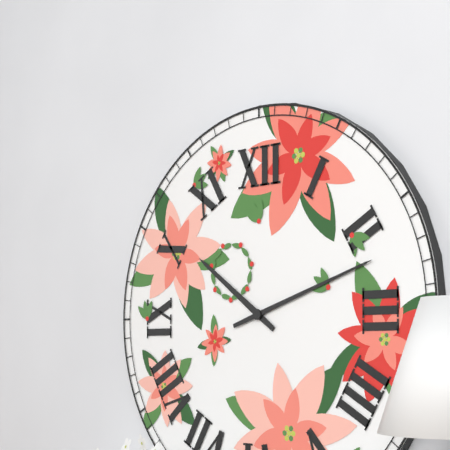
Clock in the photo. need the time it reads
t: 10:12
